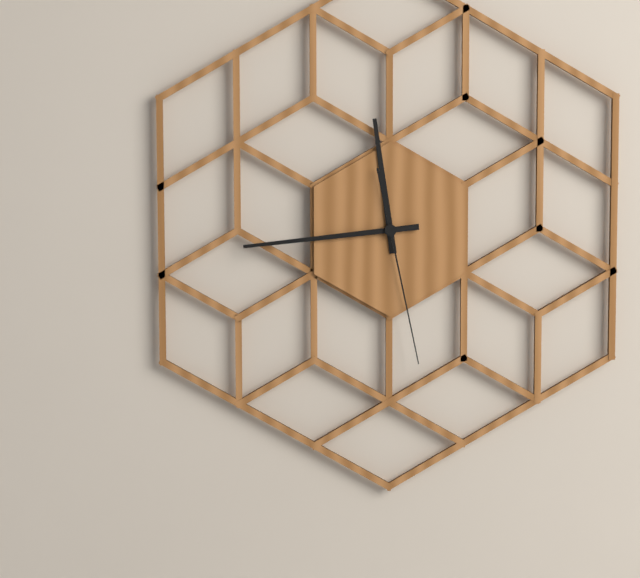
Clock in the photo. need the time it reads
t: 11:44:28
